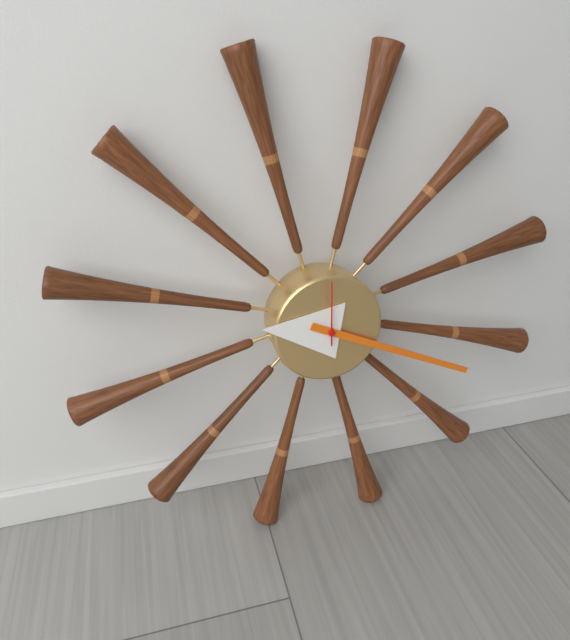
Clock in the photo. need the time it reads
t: 9:19
